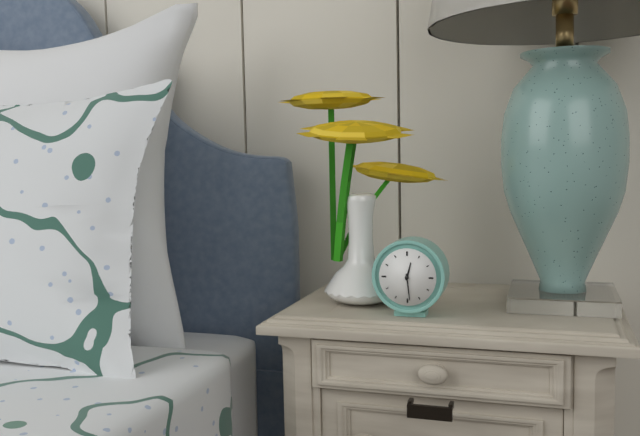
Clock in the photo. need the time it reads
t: 12:29
